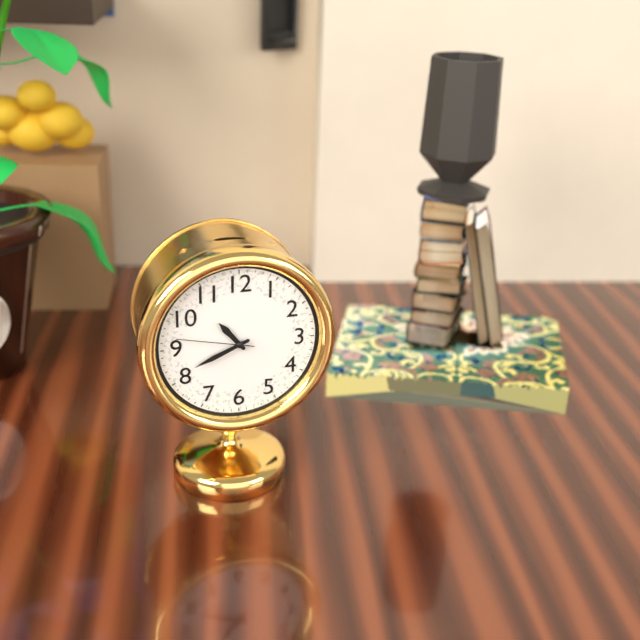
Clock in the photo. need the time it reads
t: 10:41:47
